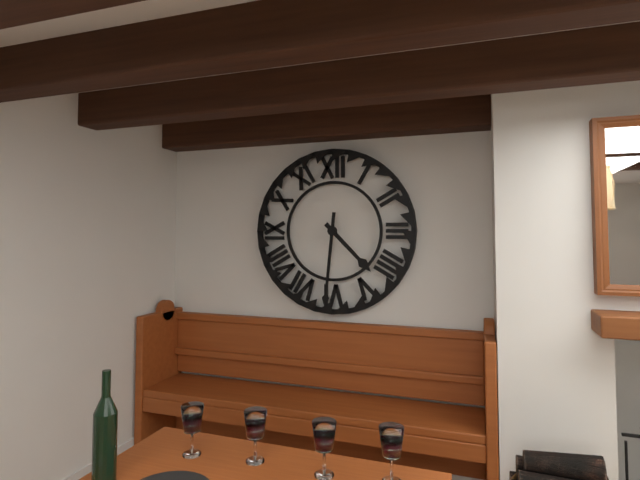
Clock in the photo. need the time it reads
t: 4:31
